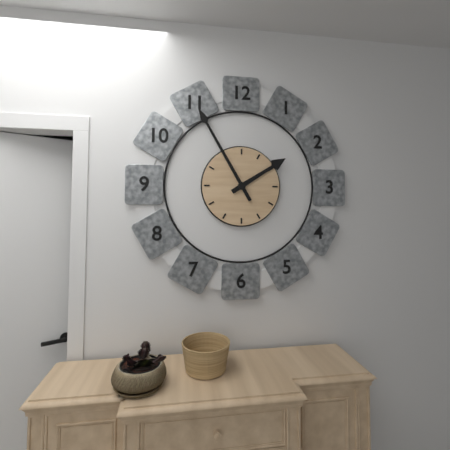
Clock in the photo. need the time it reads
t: 1:55
